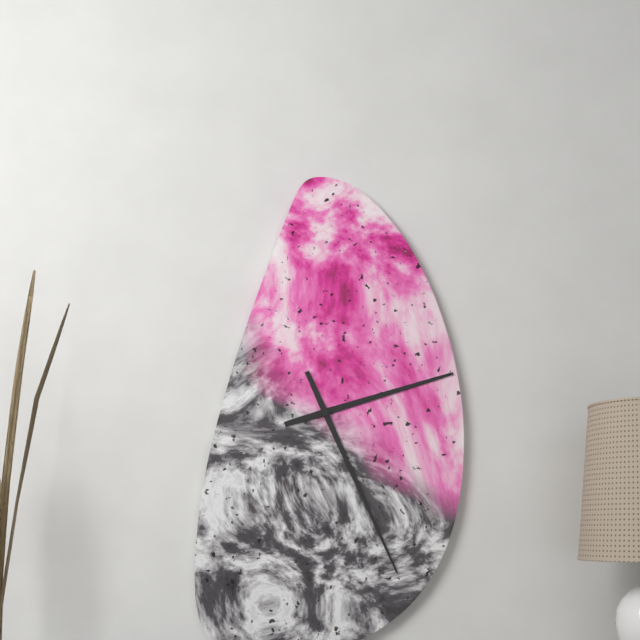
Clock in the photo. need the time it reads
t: 2:26
